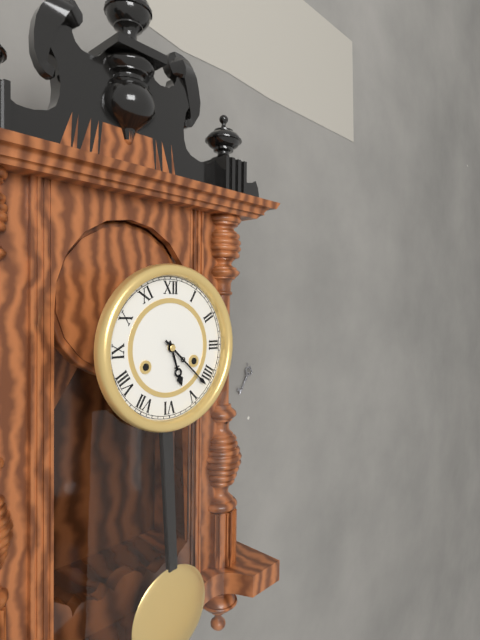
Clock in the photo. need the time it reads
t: 5:22
